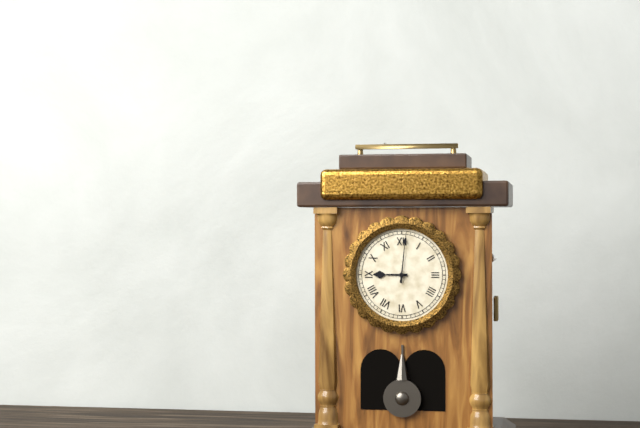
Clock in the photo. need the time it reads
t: 9:01
